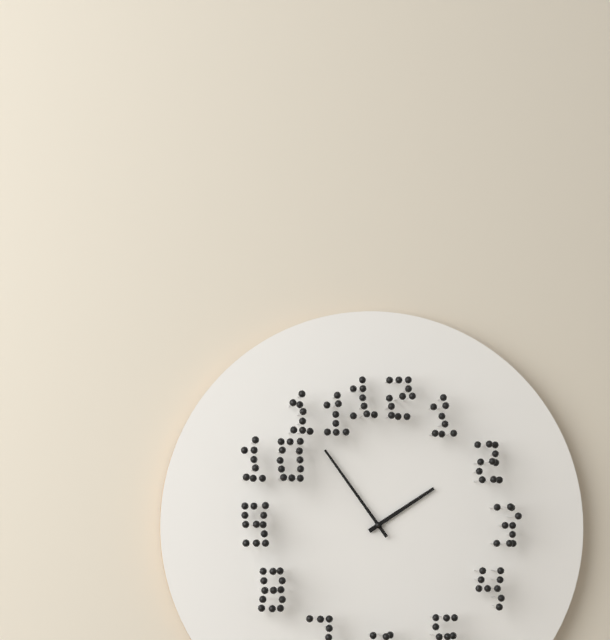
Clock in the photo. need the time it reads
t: 1:54
